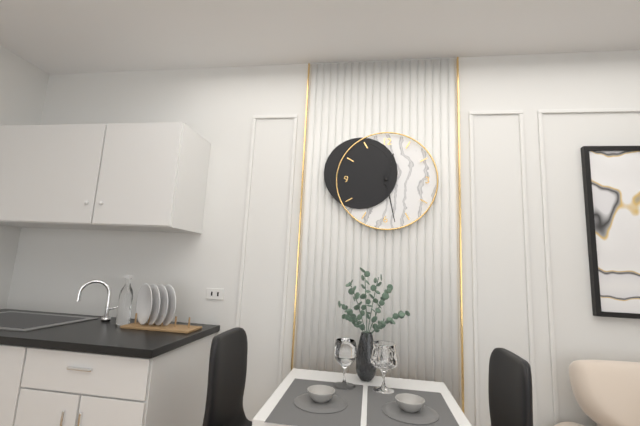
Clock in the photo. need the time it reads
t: 12:28
